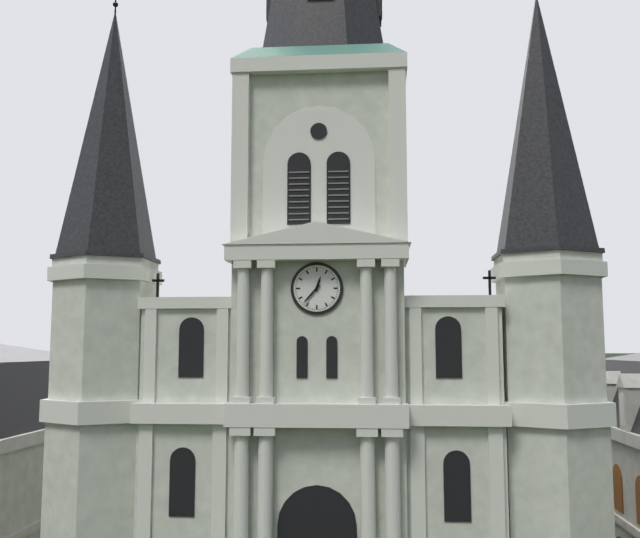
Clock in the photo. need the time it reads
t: 12:37
